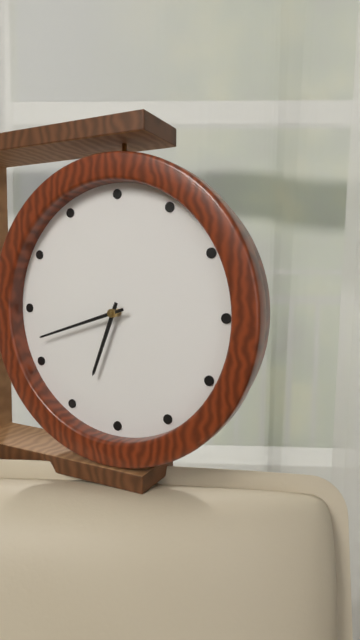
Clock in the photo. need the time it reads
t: 6:42
